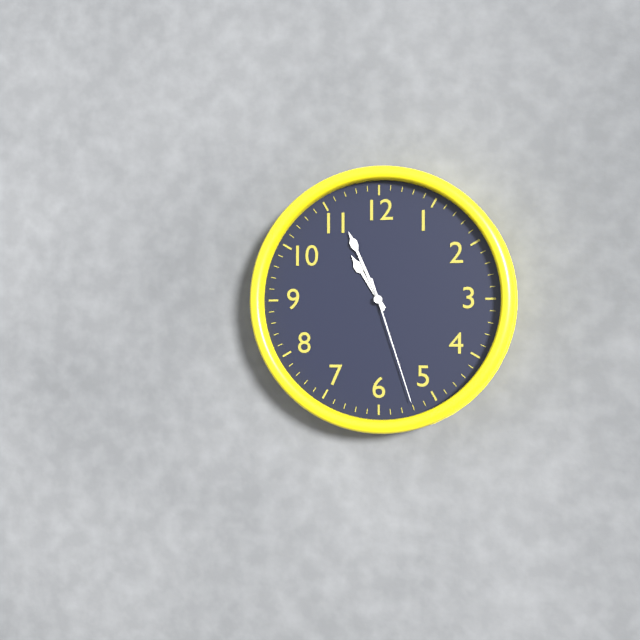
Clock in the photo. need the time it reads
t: 10:56:27
